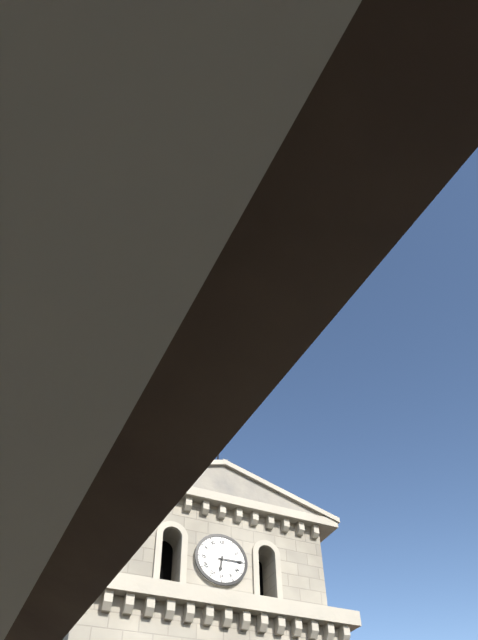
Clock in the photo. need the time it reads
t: 6:15
